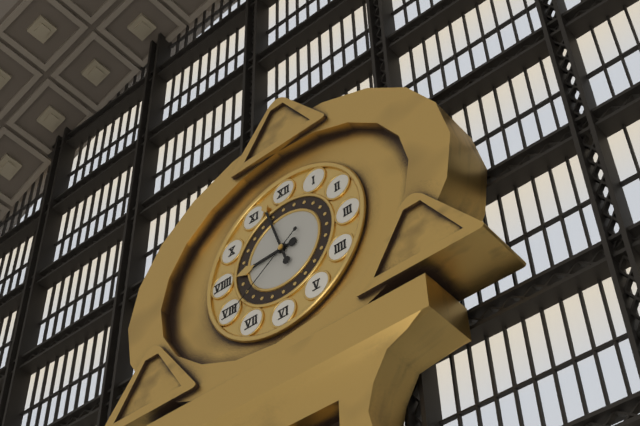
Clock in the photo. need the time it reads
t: 8:57:39
